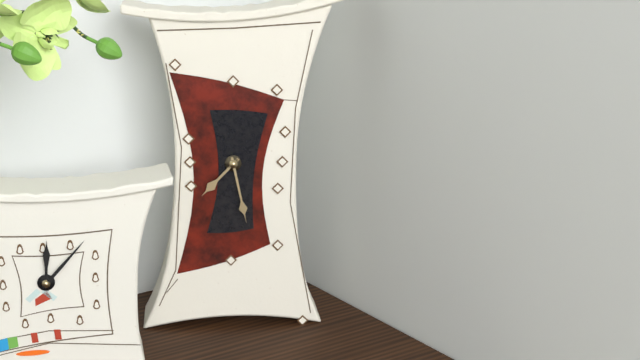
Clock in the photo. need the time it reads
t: 7:28
